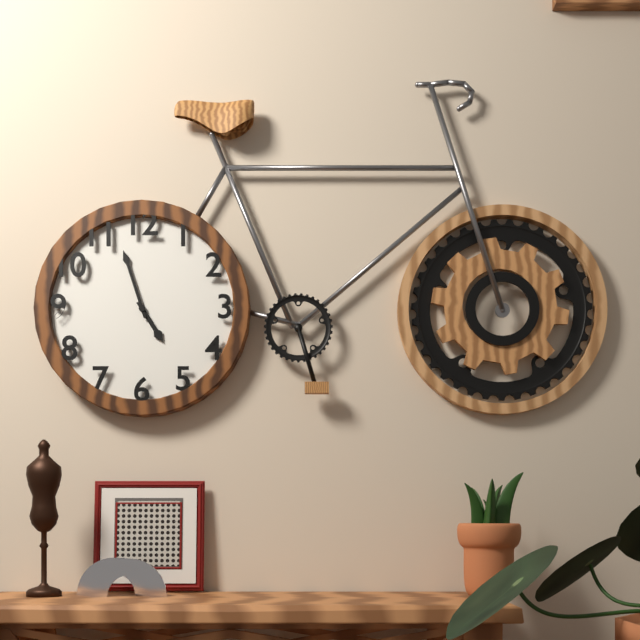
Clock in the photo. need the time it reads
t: 4:57
